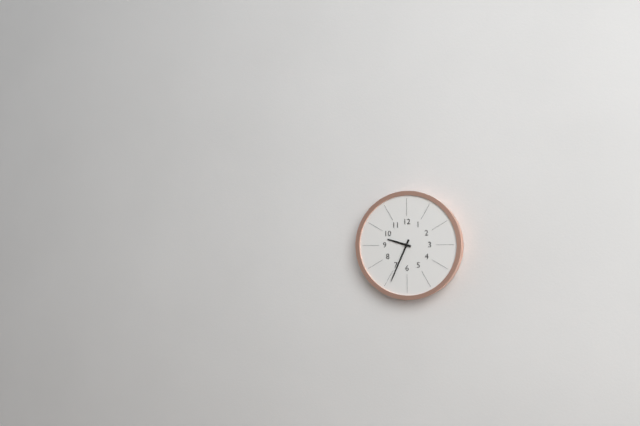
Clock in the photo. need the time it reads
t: 9:34
